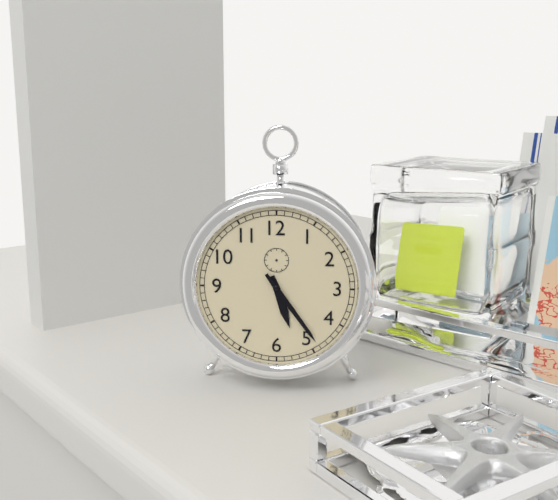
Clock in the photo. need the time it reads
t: 5:24
